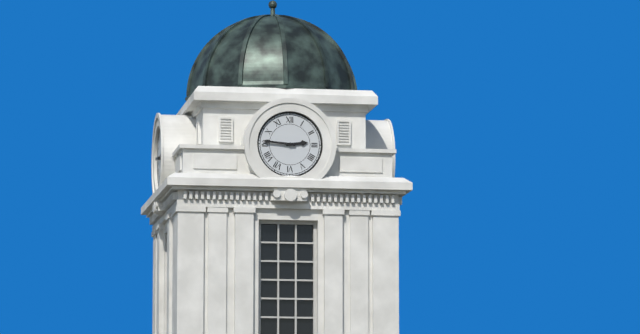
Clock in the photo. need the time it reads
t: 2:46
